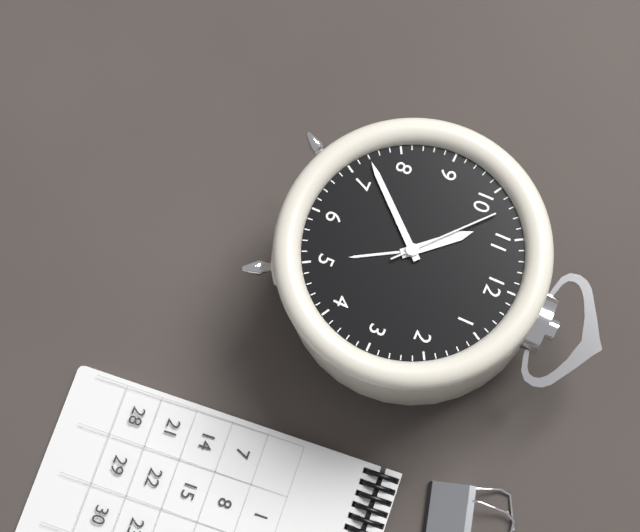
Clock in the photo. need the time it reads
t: 10:37:52
